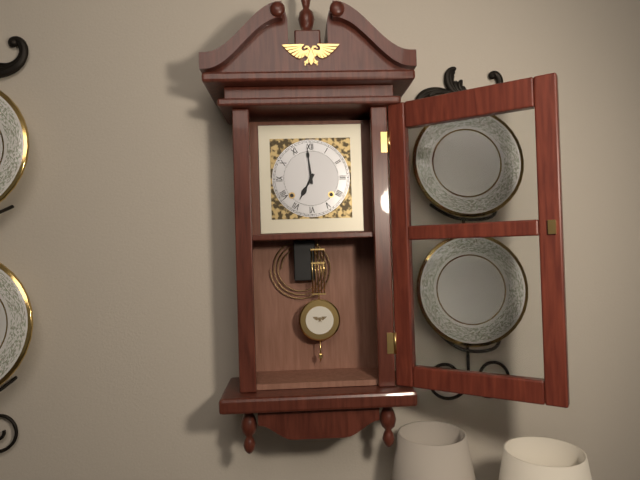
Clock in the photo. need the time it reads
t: 6:59
